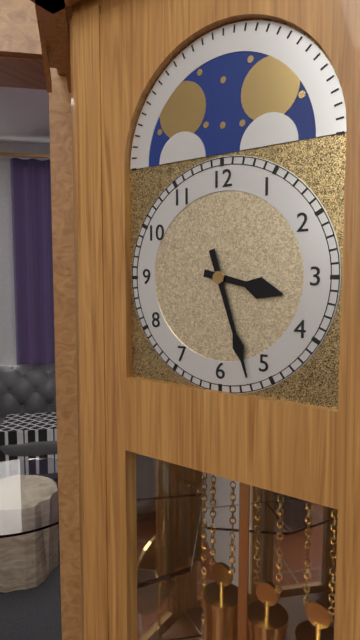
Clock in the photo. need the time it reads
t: 3:27
